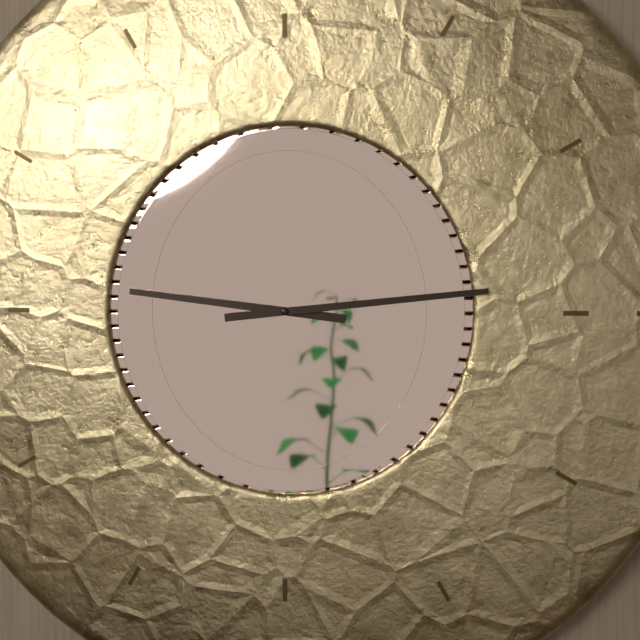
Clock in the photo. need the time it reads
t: 9:14
